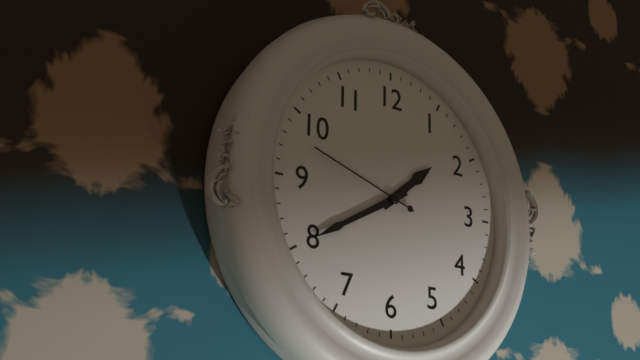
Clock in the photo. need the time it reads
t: 1:40:48
